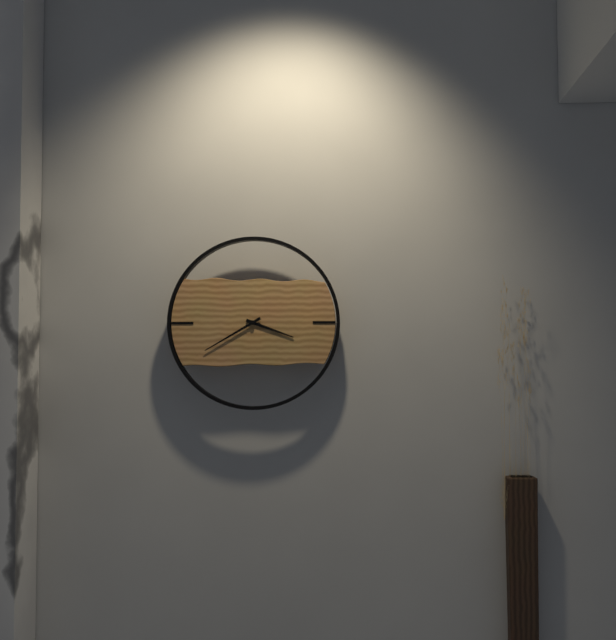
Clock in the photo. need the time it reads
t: 3:40
